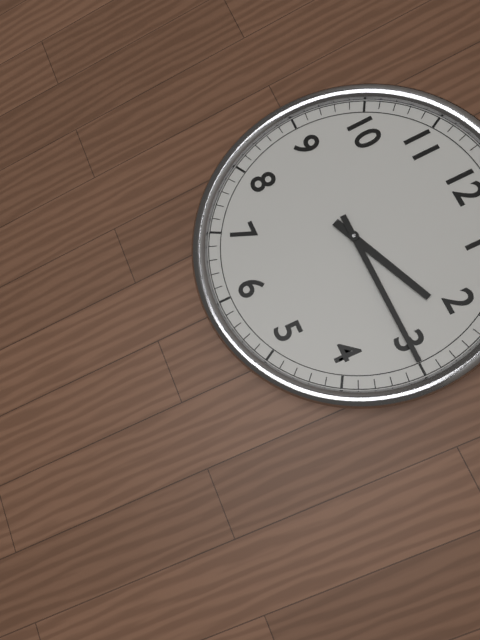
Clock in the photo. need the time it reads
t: 2:15
